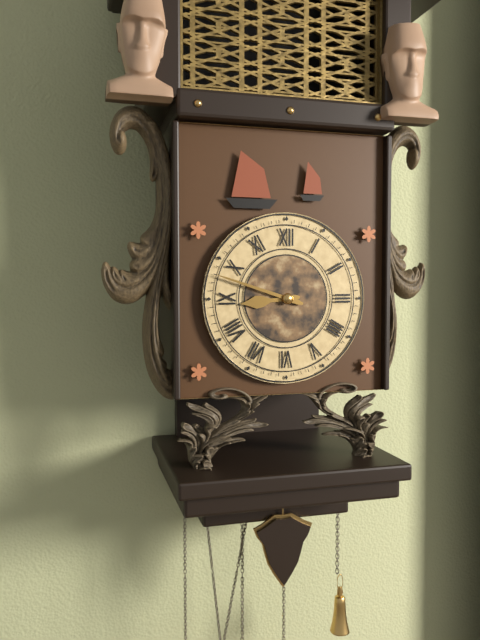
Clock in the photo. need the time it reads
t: 8:48
